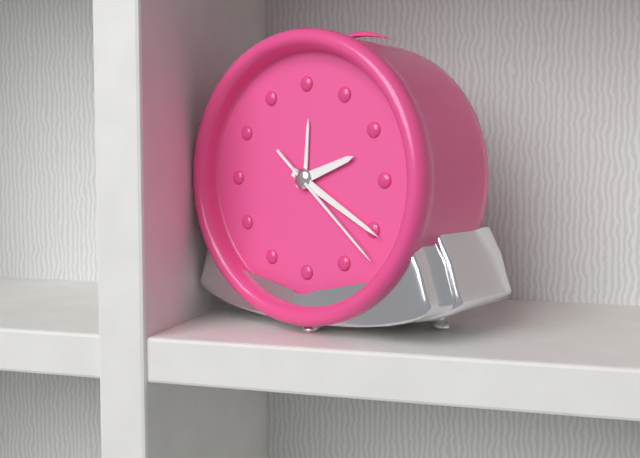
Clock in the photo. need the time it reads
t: 2:20:22
